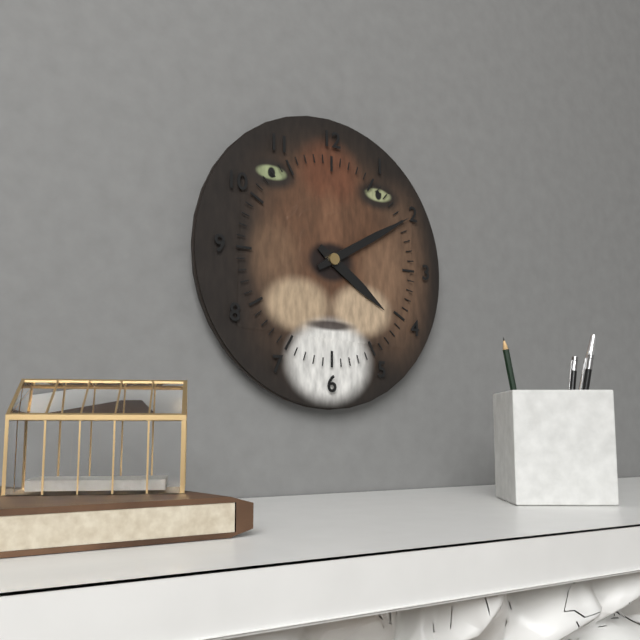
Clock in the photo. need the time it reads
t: 4:10
